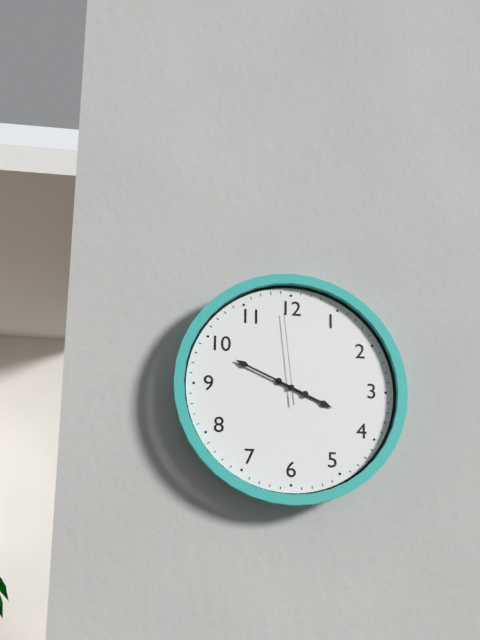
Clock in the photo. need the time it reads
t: 3:49:59
